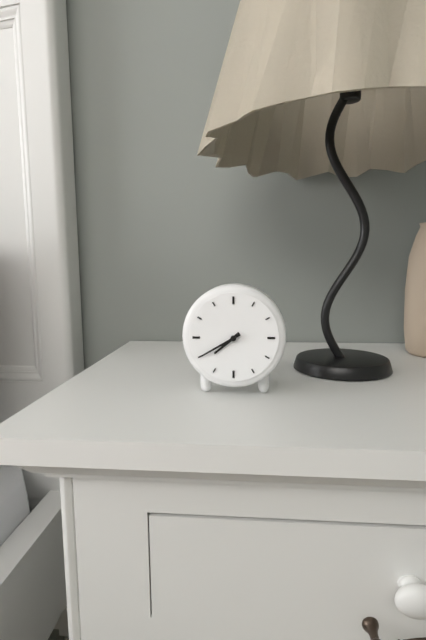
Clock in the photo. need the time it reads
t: 7:40
